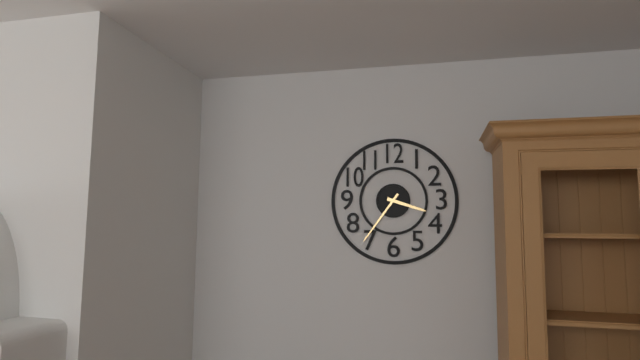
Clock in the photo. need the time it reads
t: 3:36
